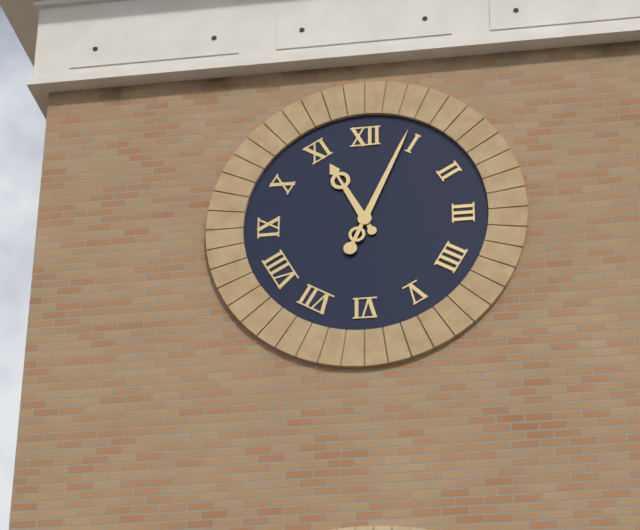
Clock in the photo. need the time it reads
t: 11:04
